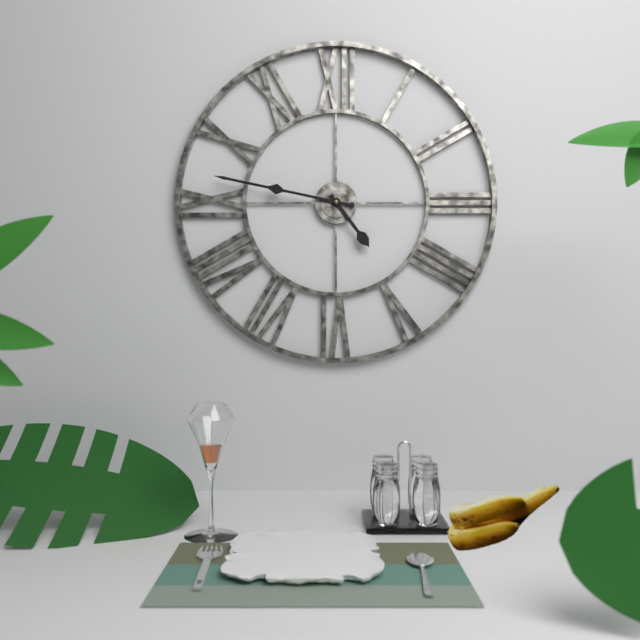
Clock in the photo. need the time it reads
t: 4:47
